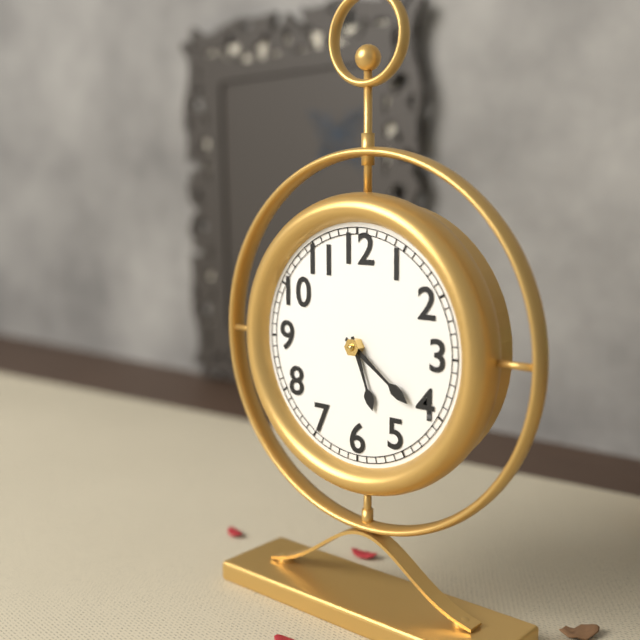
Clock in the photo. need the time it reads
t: 5:21
